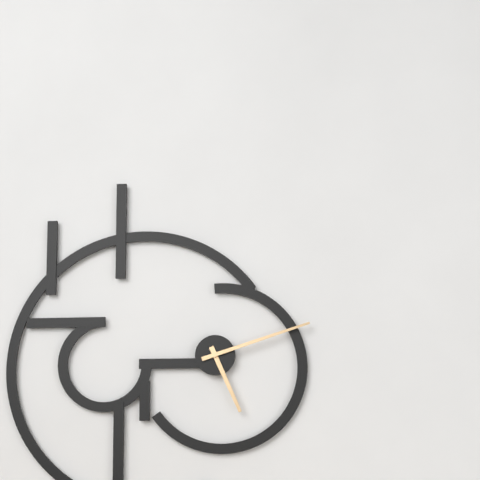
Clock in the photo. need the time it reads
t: 5:12
